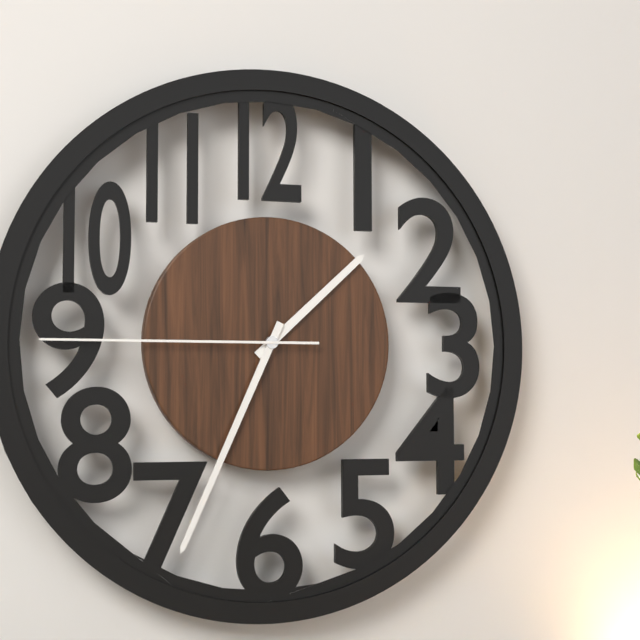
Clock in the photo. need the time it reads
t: 1:34:45
